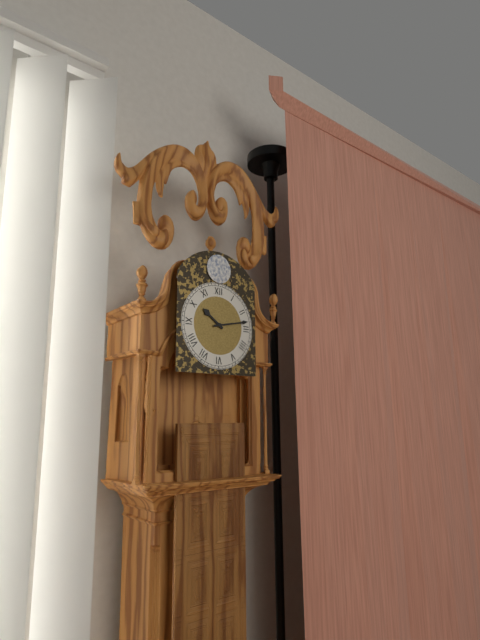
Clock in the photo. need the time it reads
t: 10:13
